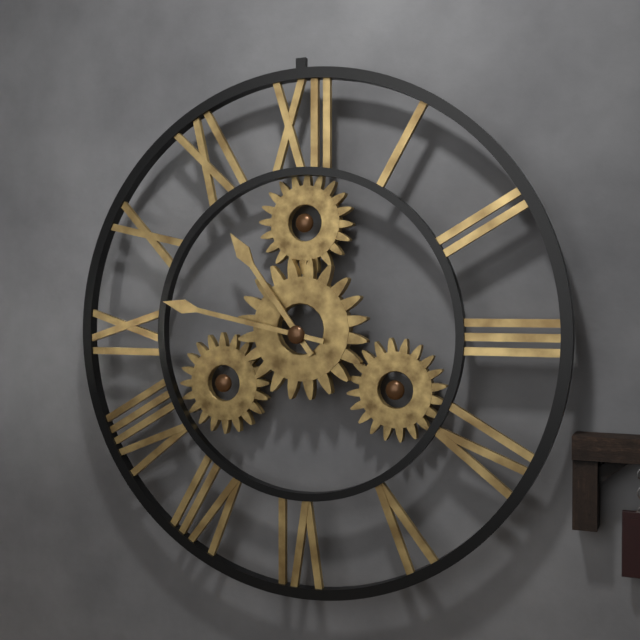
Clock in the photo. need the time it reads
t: 10:47
